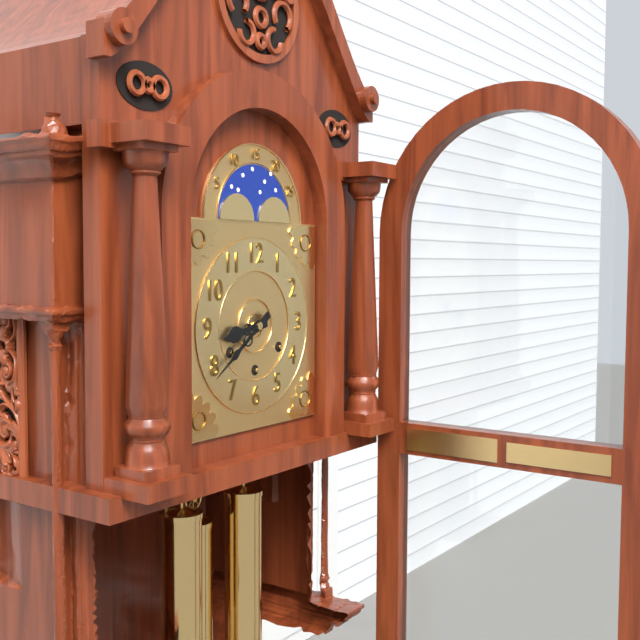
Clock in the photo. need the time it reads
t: 8:39
